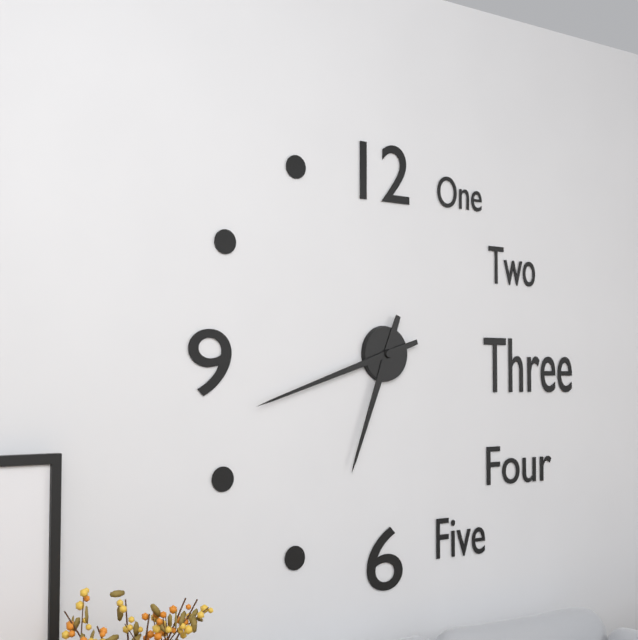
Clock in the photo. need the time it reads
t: 6:42
